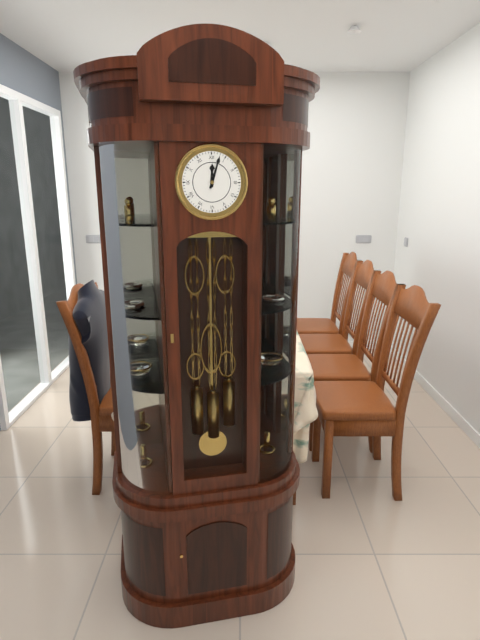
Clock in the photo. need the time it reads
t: 12:03
